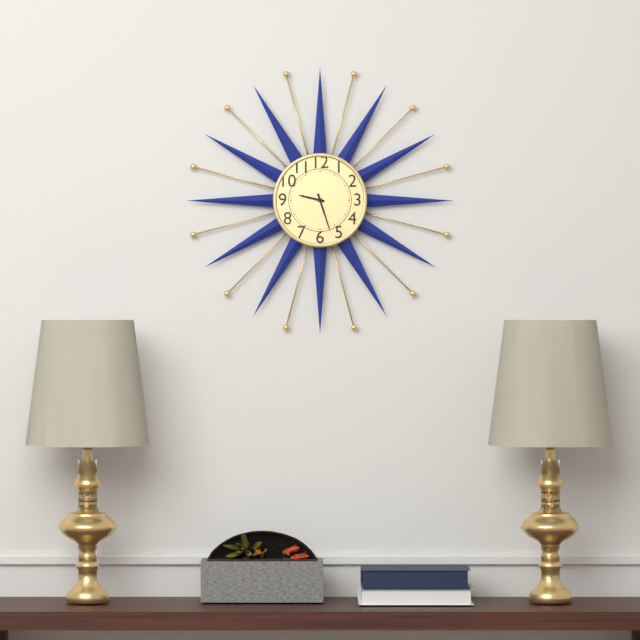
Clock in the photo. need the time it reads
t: 9:27
